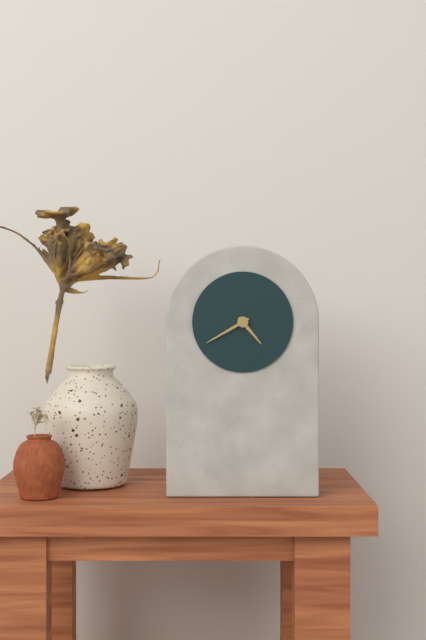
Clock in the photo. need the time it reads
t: 4:40
